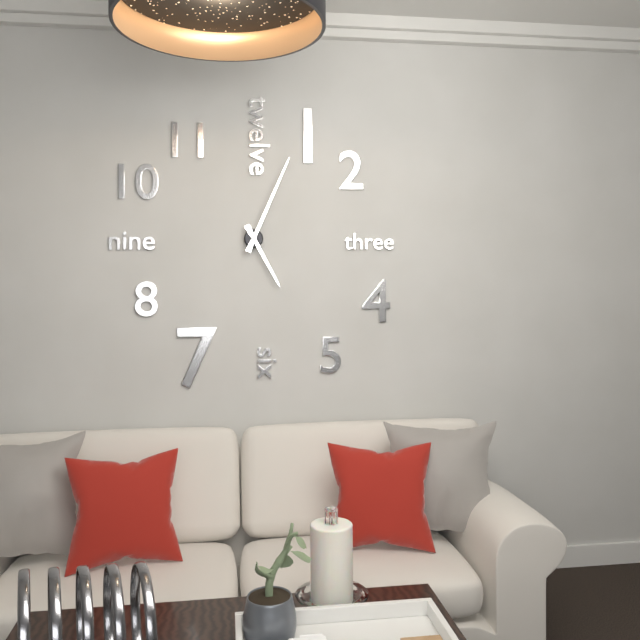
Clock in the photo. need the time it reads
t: 5:04
